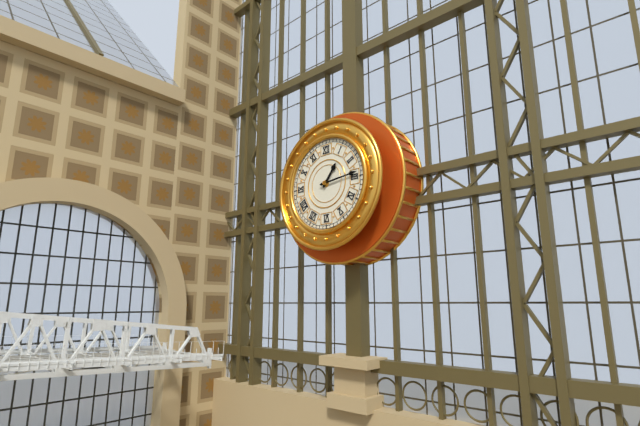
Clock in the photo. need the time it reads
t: 1:14
